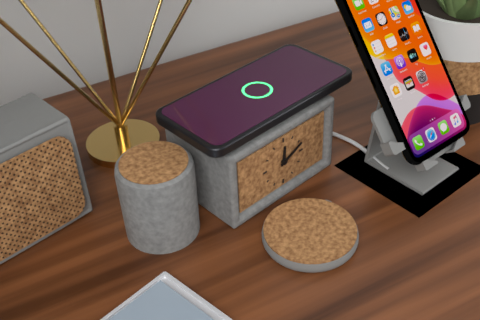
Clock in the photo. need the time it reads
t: 12:11
